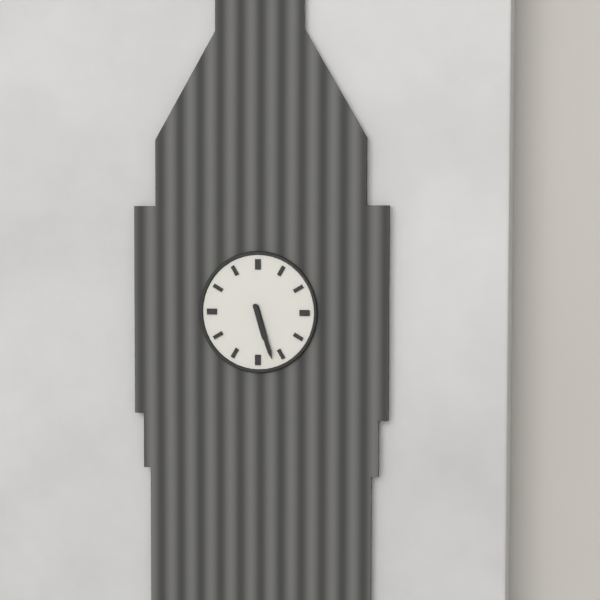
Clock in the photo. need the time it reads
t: 5:27
